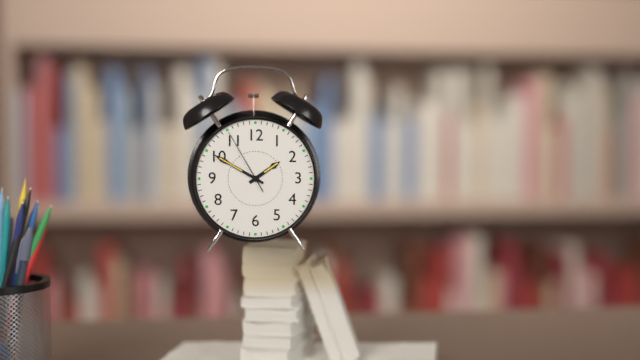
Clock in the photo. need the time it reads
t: 1:50:55
